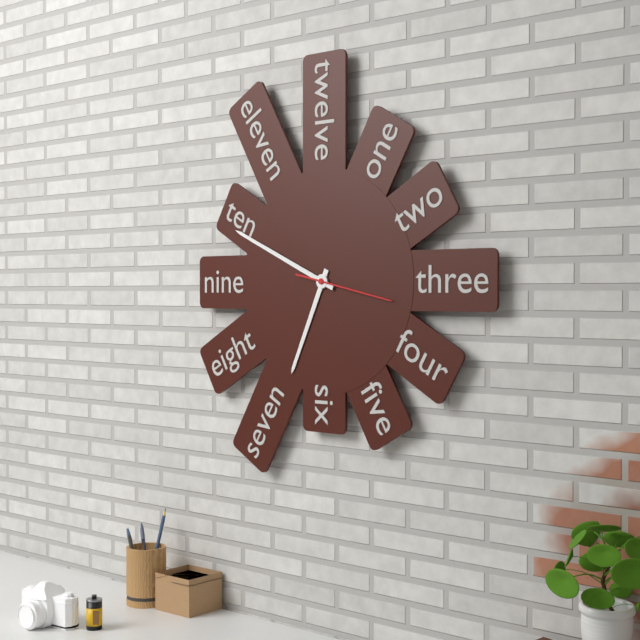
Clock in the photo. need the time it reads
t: 6:49:17
